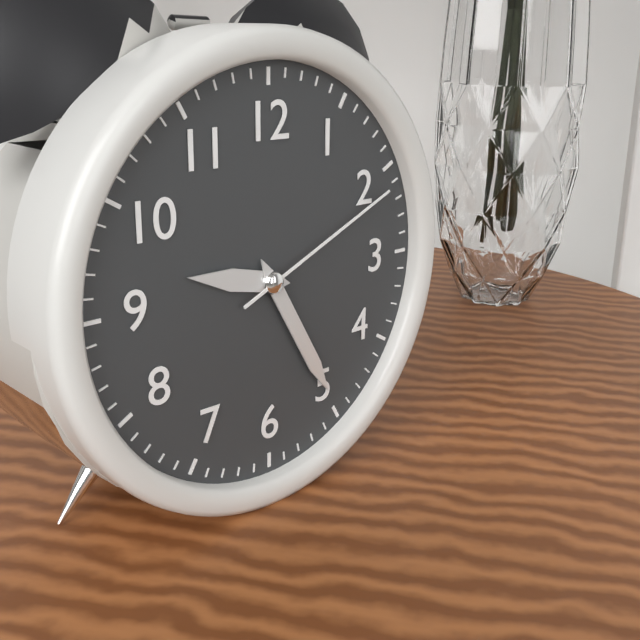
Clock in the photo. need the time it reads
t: 9:25:11
